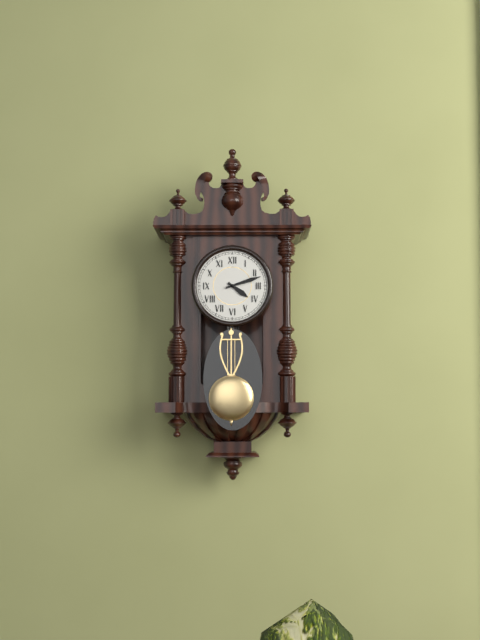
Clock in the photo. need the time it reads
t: 4:12
